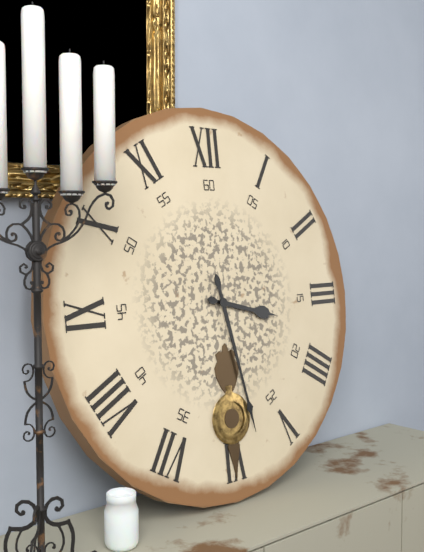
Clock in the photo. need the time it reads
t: 3:28
